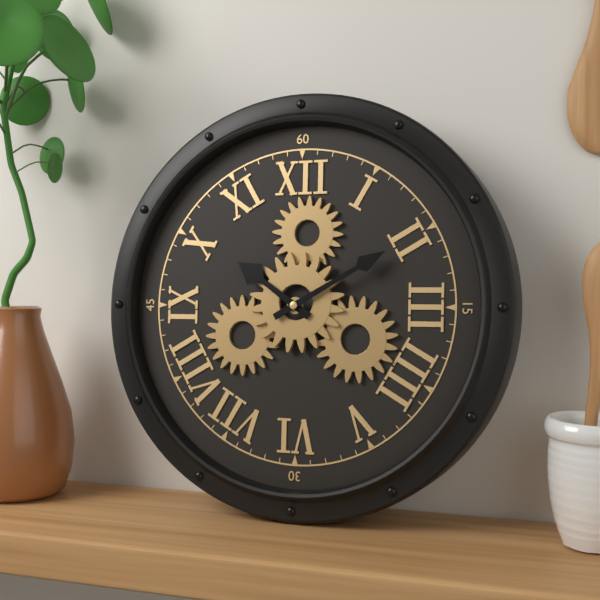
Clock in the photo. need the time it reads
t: 10:10
